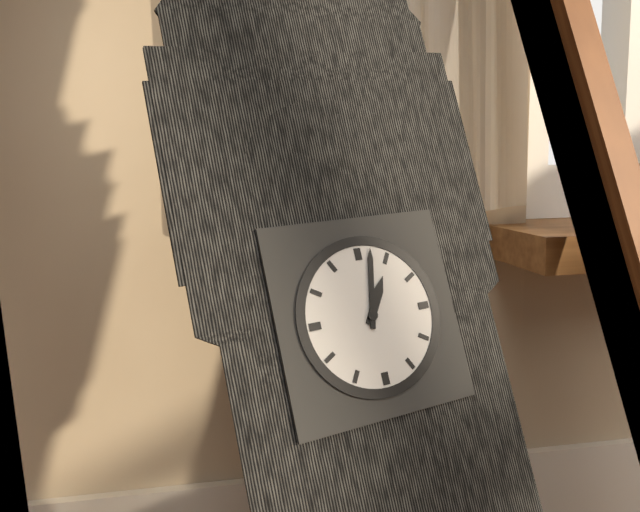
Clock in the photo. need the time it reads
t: 1:02
